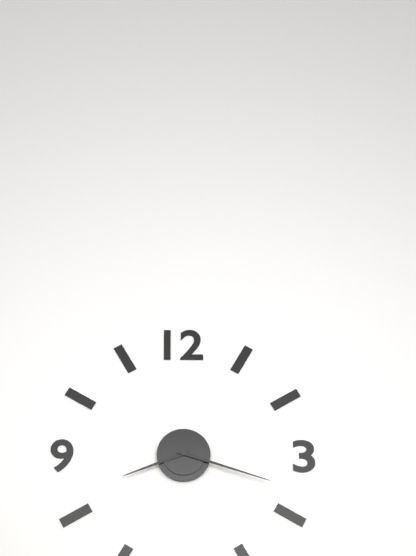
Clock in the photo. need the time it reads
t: 8:18
